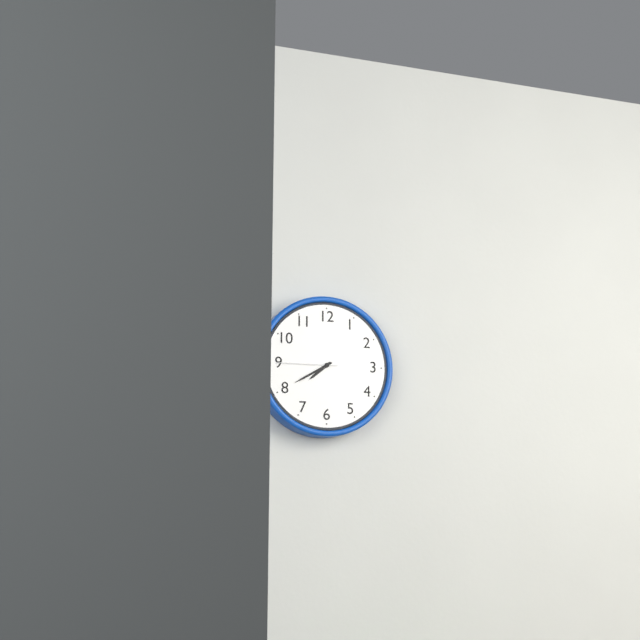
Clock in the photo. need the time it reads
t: 7:40:45
